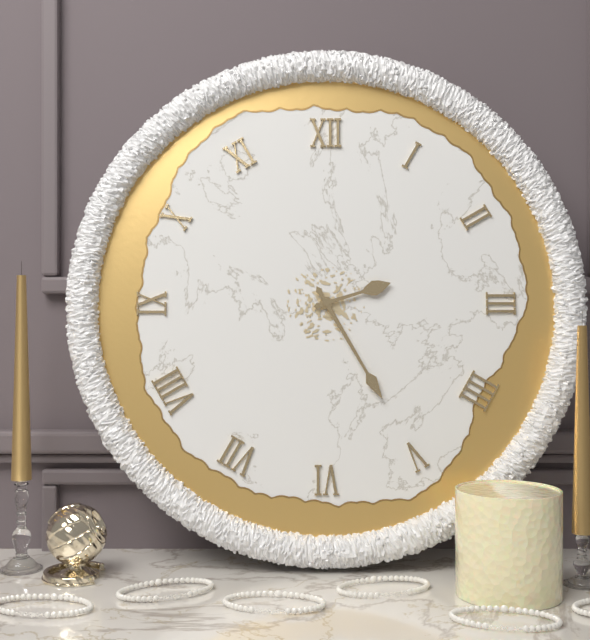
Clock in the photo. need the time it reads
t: 2:25
